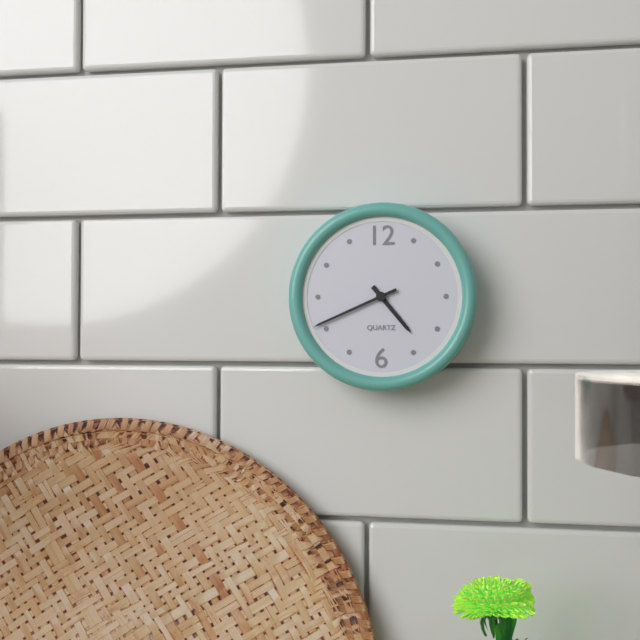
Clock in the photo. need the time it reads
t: 4:41
